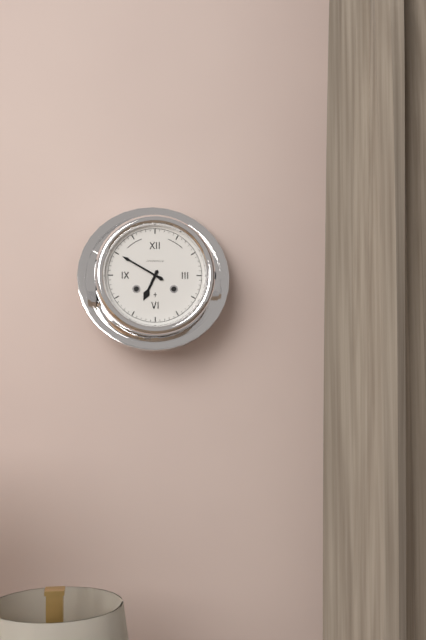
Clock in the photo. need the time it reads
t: 6:50
